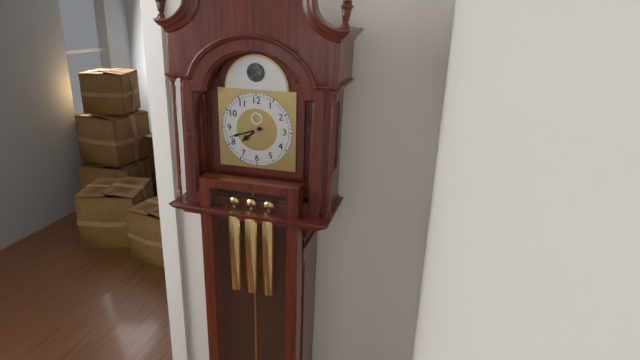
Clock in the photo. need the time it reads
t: 7:42
